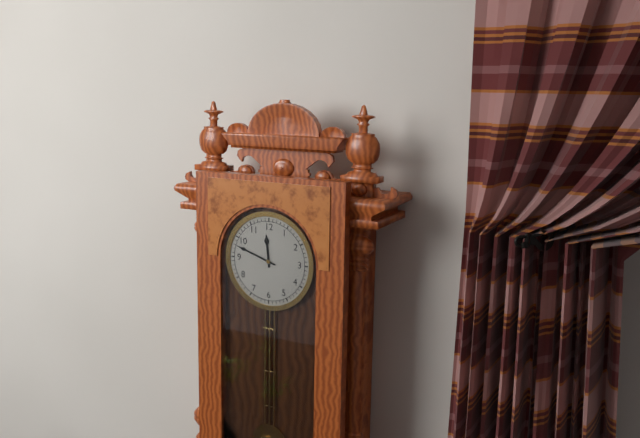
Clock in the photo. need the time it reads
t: 11:48
